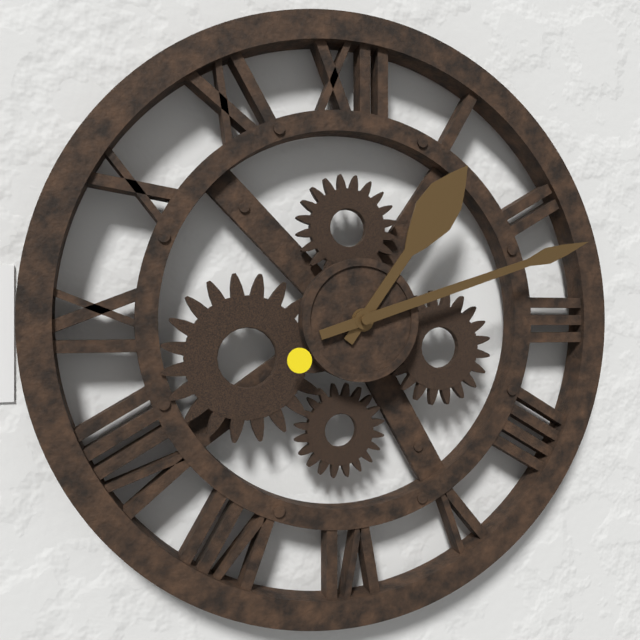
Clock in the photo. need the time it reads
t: 1:12
